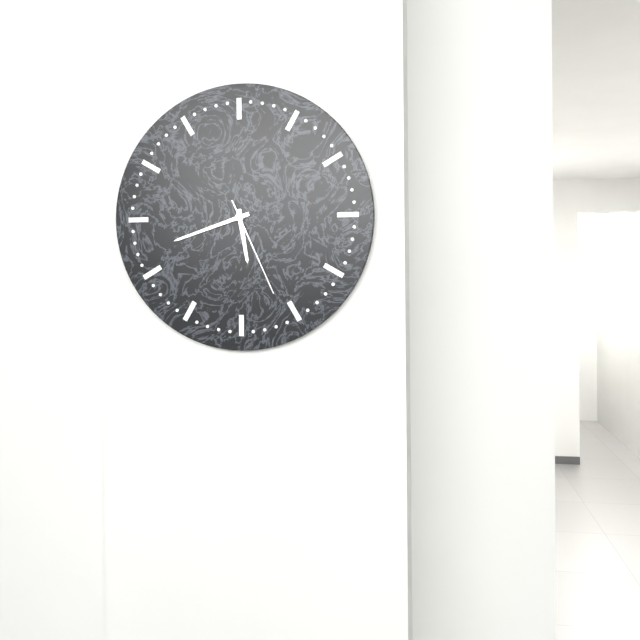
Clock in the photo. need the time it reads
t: 5:42:26
